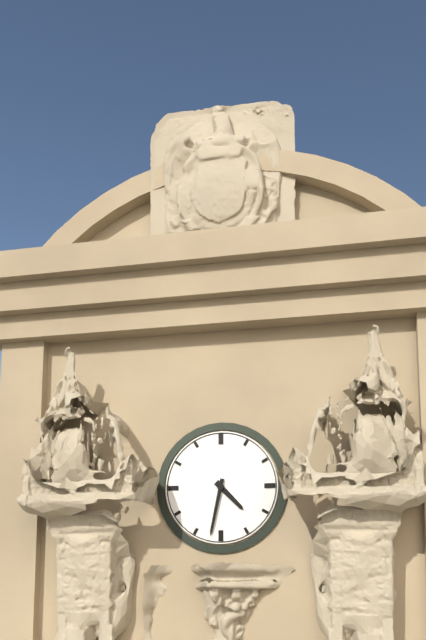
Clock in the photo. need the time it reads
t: 4:32
